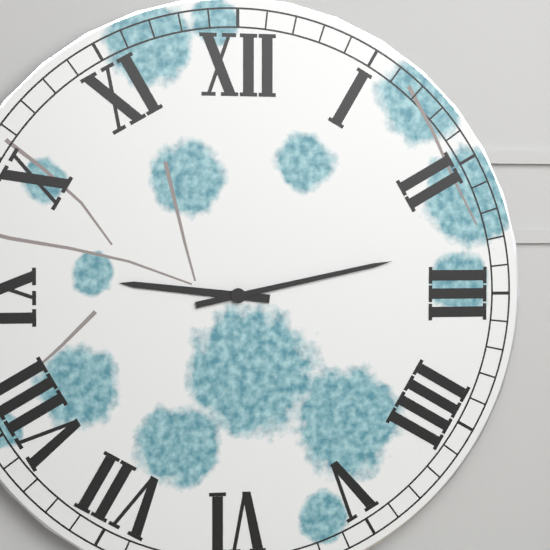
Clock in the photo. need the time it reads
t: 9:13
